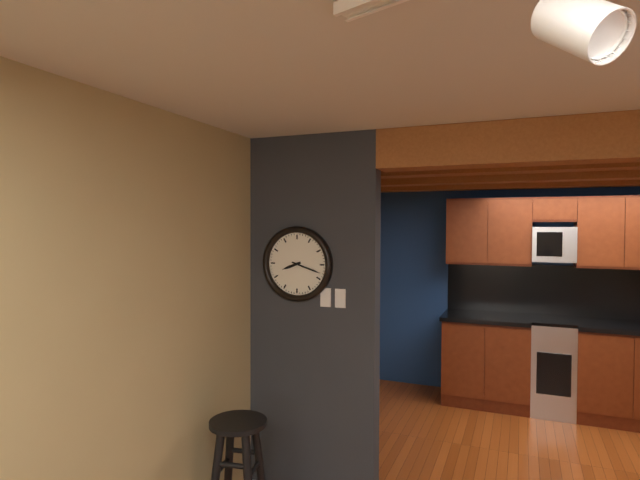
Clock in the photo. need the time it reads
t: 8:18
